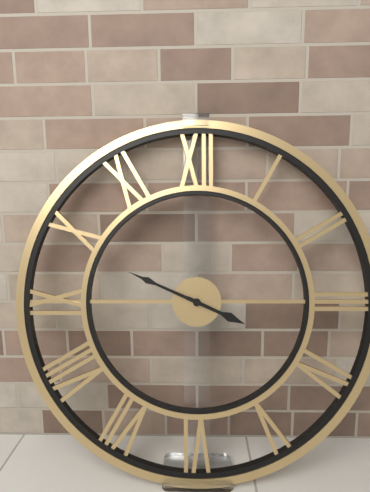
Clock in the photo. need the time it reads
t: 3:49
